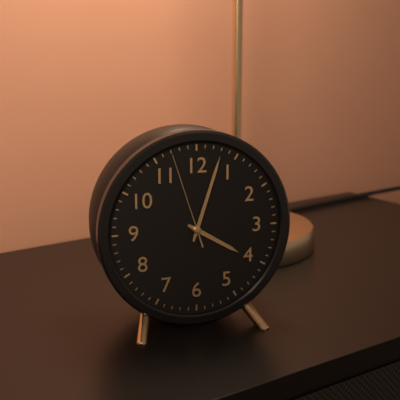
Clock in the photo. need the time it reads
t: 4:03:57
